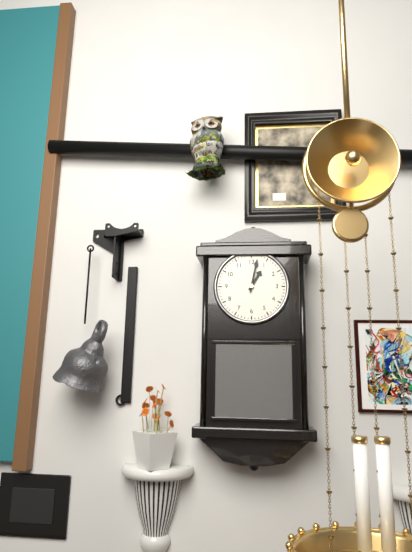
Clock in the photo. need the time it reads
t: 1:02
